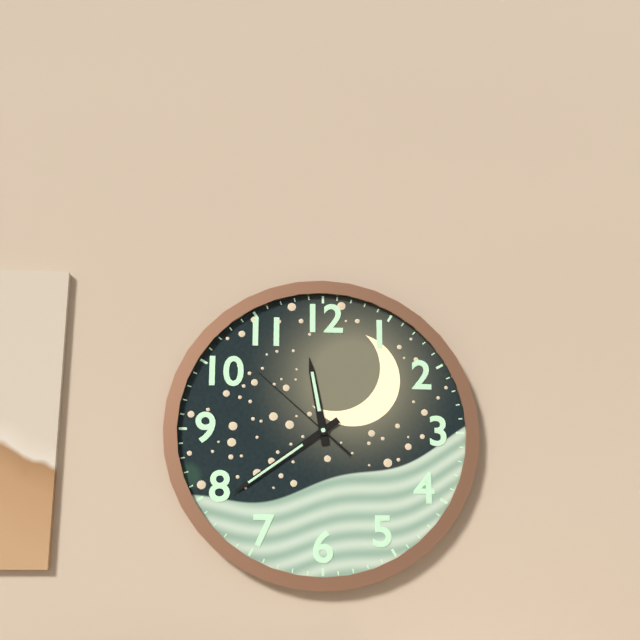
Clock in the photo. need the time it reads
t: 11:39:52
